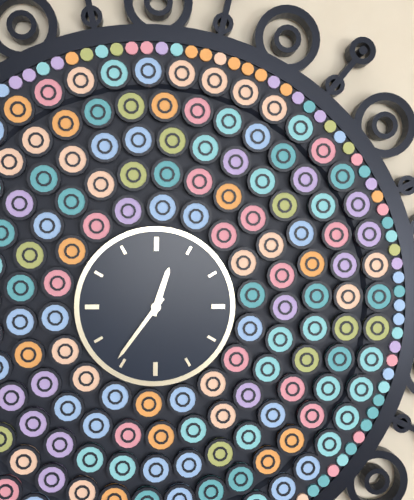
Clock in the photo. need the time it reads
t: 12:36
